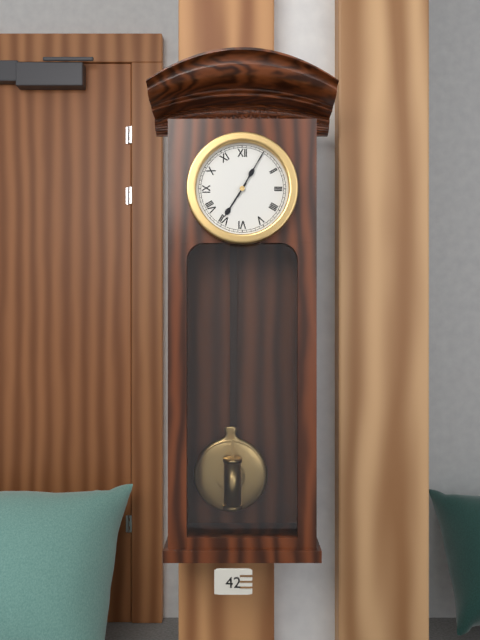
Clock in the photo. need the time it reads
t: 7:05
